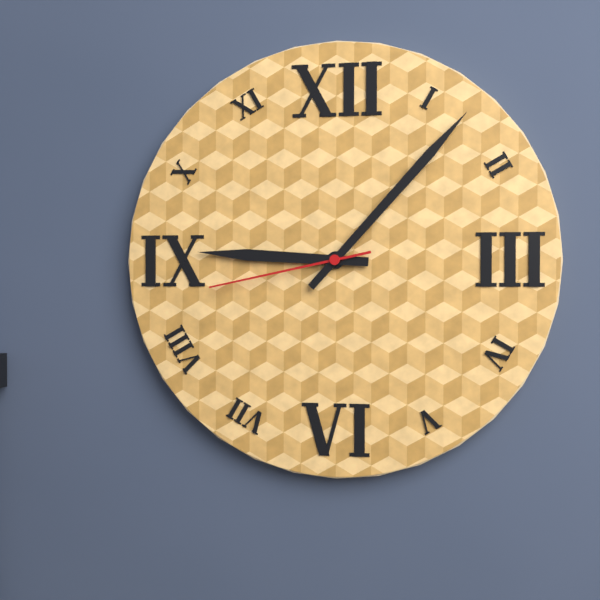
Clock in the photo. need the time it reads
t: 9:07:43
